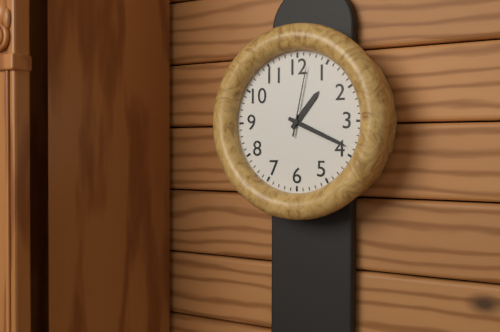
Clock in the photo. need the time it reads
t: 1:19:02
